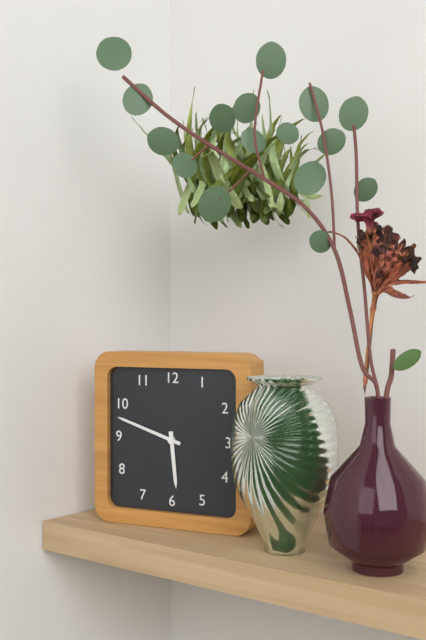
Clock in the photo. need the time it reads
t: 5:48
